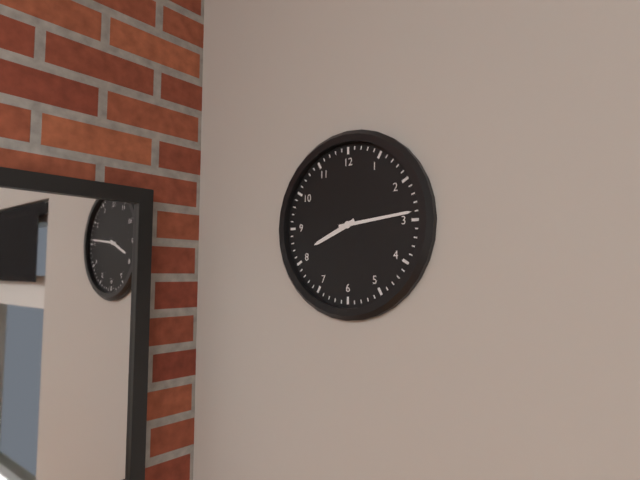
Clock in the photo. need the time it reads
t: 8:14
